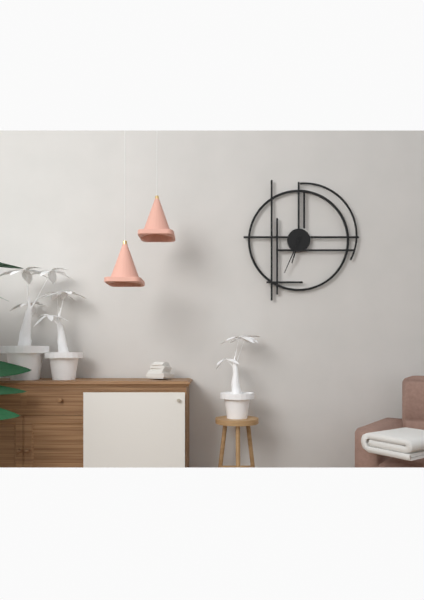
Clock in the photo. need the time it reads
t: 6:34
